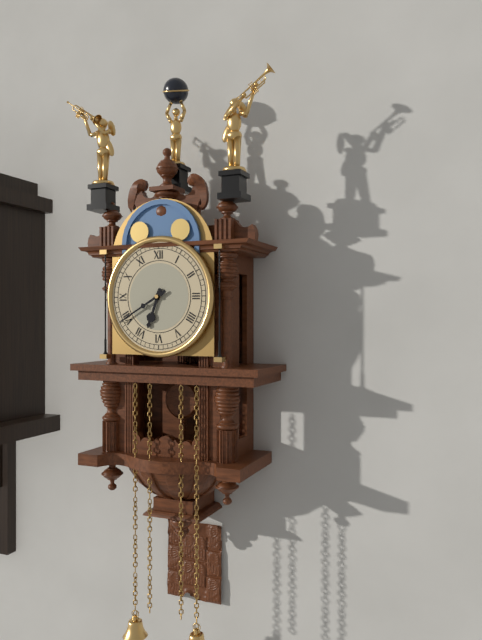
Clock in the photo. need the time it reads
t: 6:40
